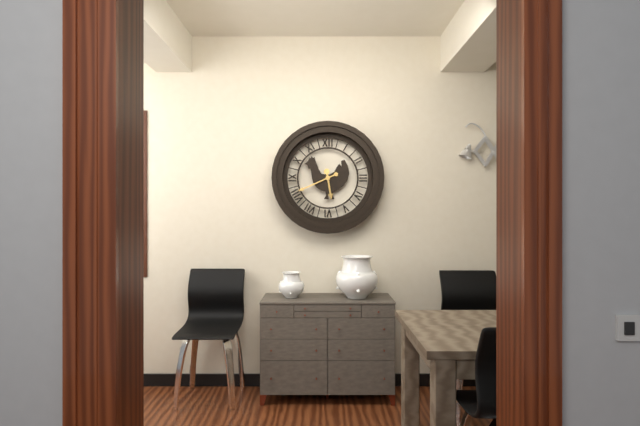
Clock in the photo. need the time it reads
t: 5:41
